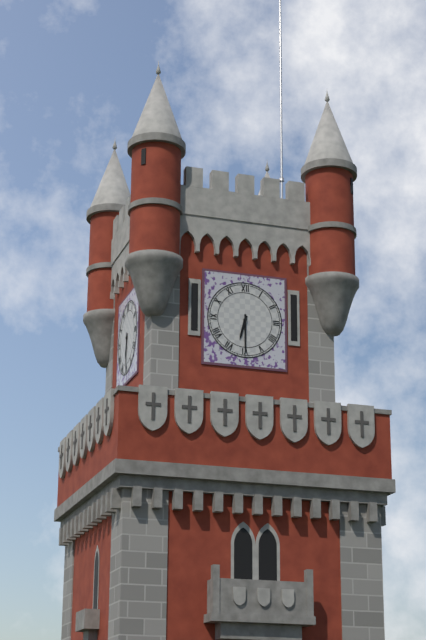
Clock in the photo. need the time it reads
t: 6:30
